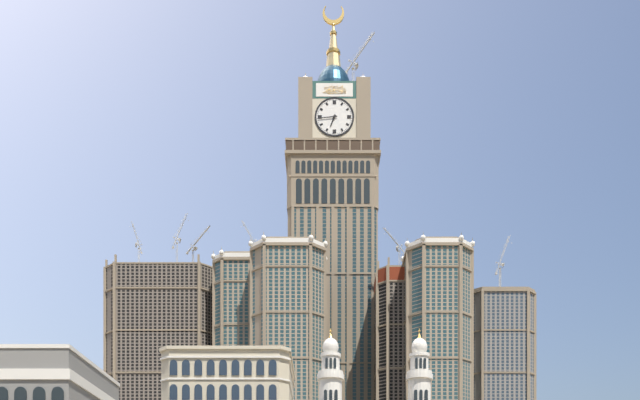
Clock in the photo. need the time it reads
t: 6:44
